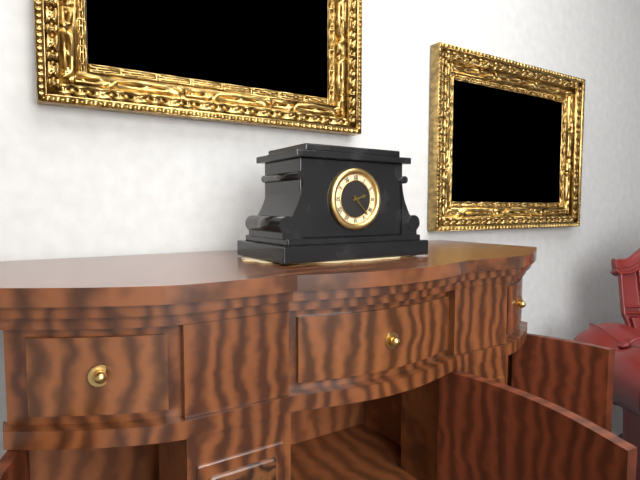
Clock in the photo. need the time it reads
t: 2:23
